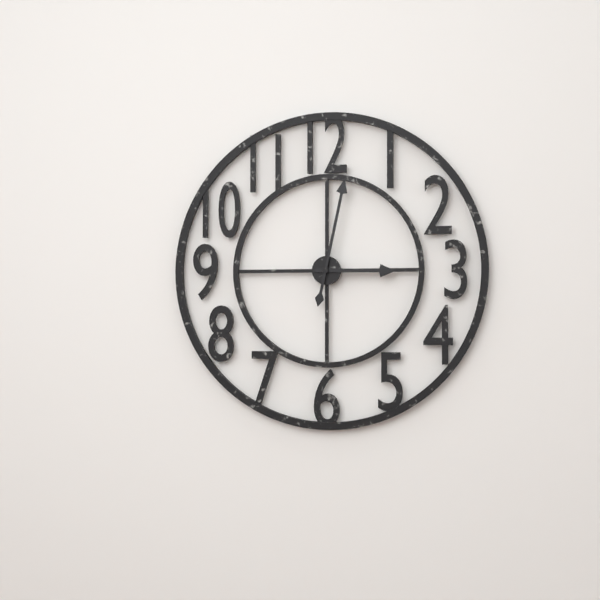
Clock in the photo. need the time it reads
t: 3:02
